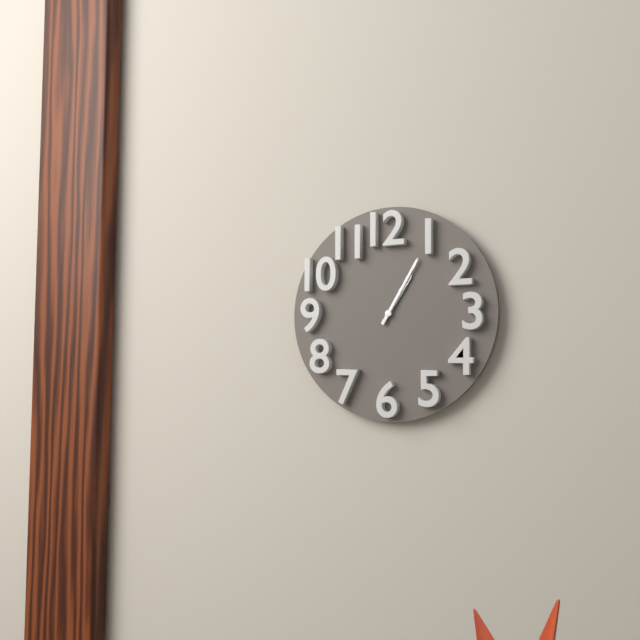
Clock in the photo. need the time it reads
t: 1:05
